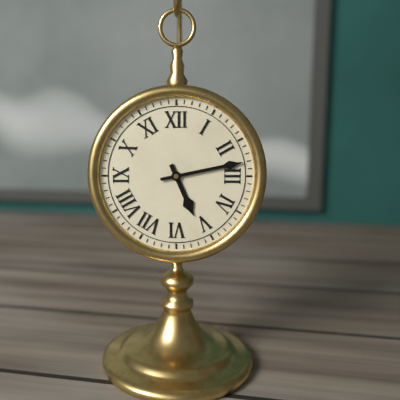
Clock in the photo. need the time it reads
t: 5:13
